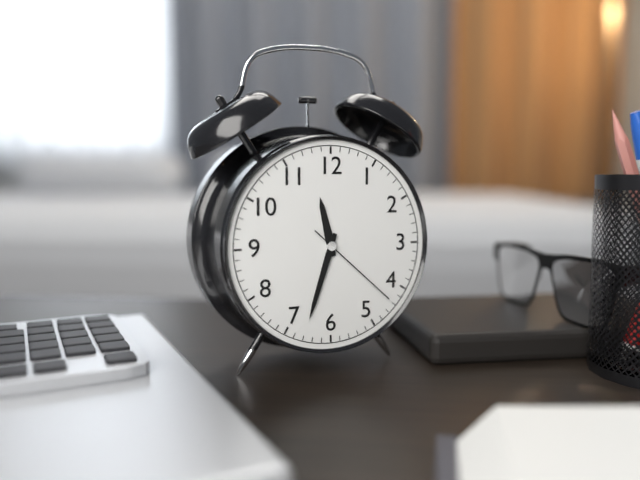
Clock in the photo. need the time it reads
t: 11:33:22
